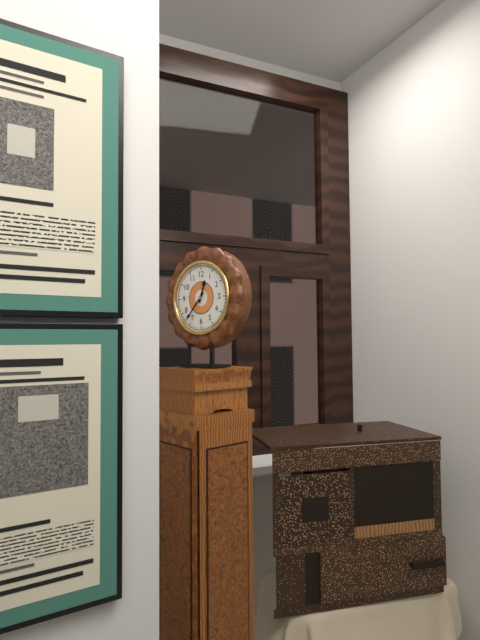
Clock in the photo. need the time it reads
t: 12:37
